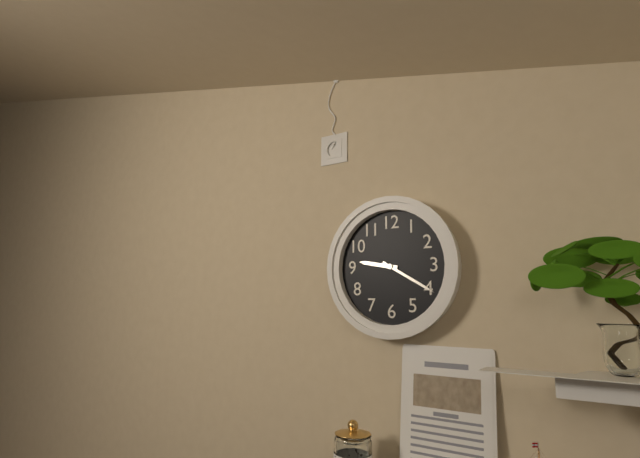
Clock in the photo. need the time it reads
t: 9:20
